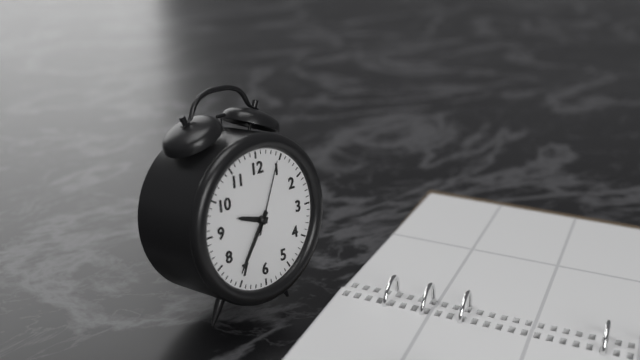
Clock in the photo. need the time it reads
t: 9:36:04
